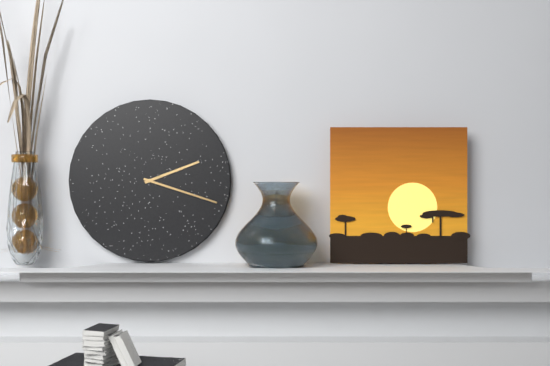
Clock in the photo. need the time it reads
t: 2:18
